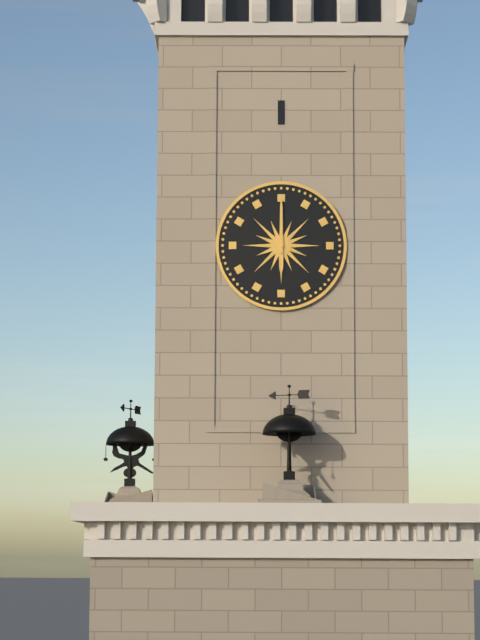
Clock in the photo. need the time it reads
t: 6:00
